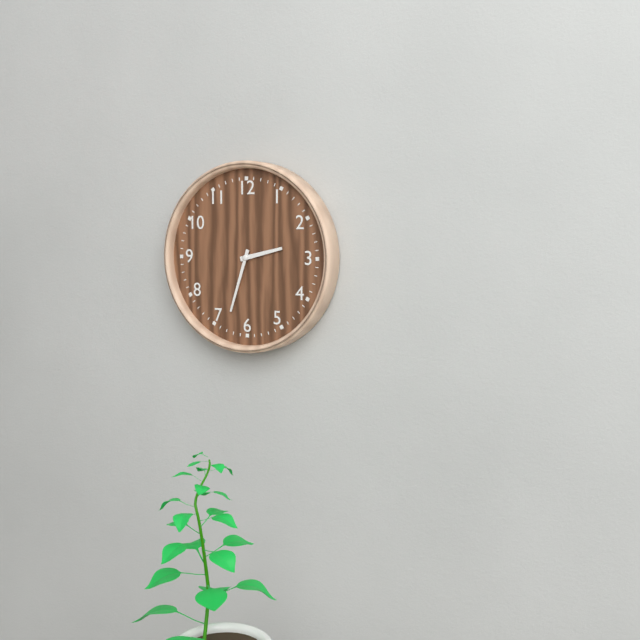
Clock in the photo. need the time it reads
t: 2:33
